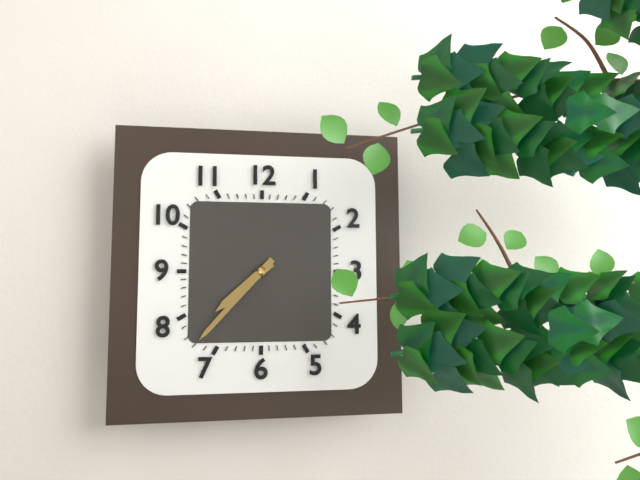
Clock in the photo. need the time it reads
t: 7:37
